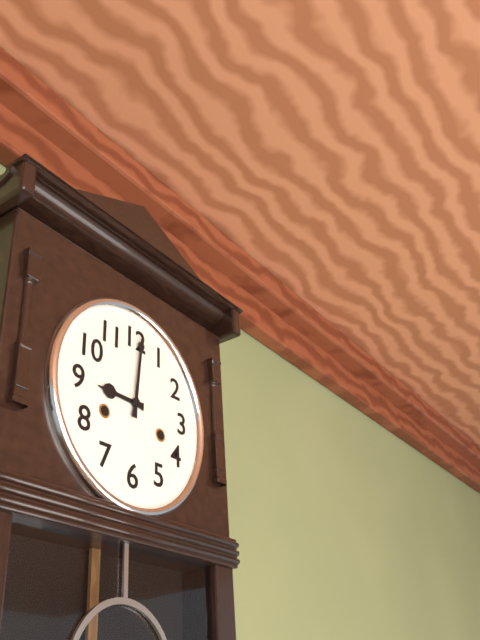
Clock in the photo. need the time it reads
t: 9:01
